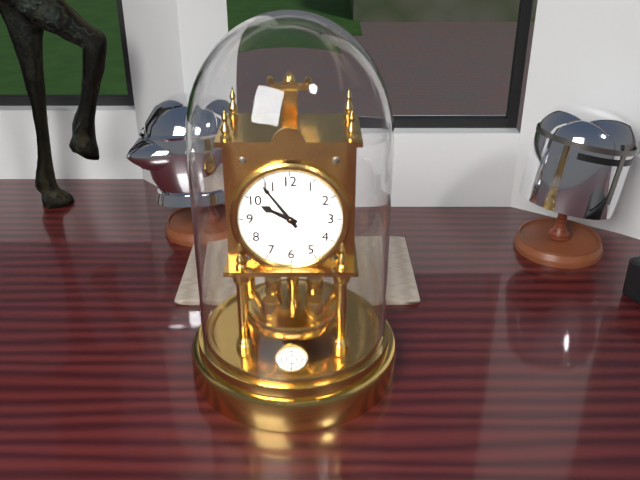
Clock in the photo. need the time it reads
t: 9:54
